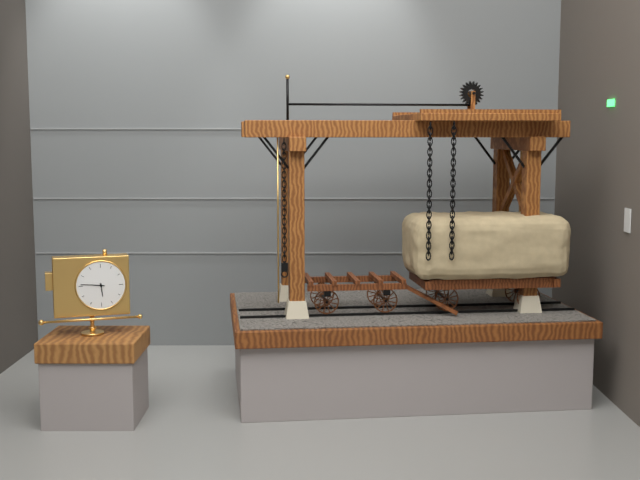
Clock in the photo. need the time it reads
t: 5:46
